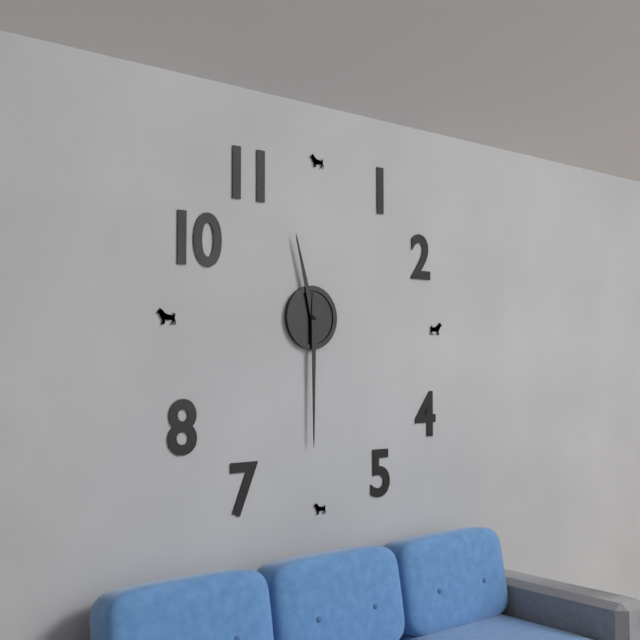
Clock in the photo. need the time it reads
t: 11:30
